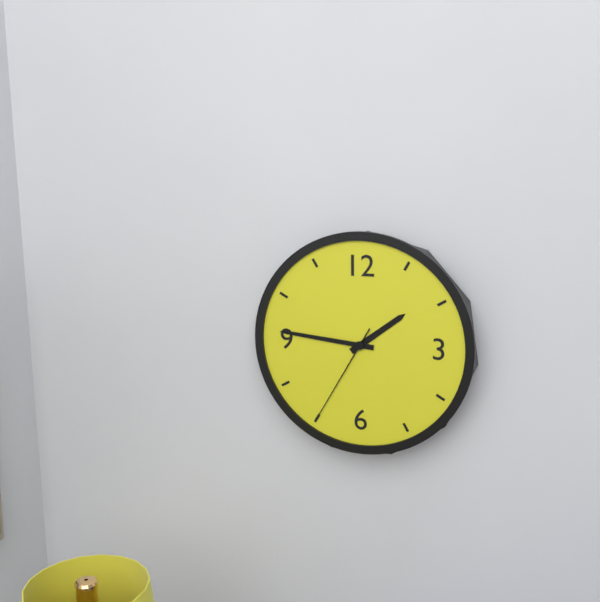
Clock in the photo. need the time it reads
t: 1:46:35
